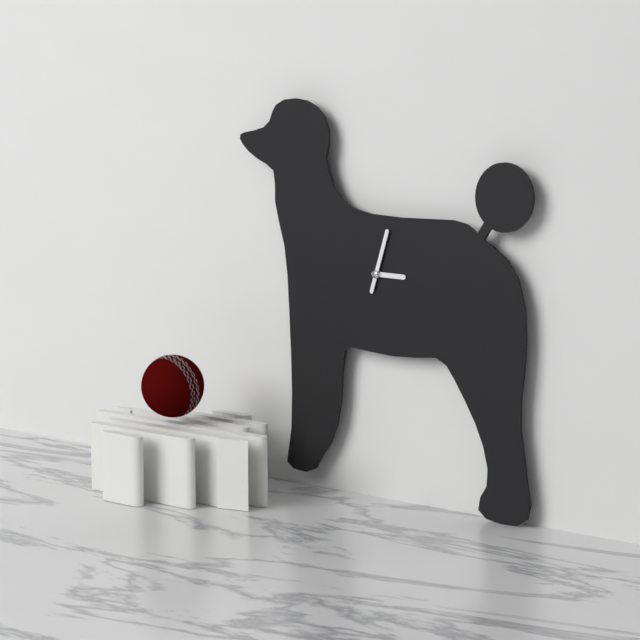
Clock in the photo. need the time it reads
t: 3:03
